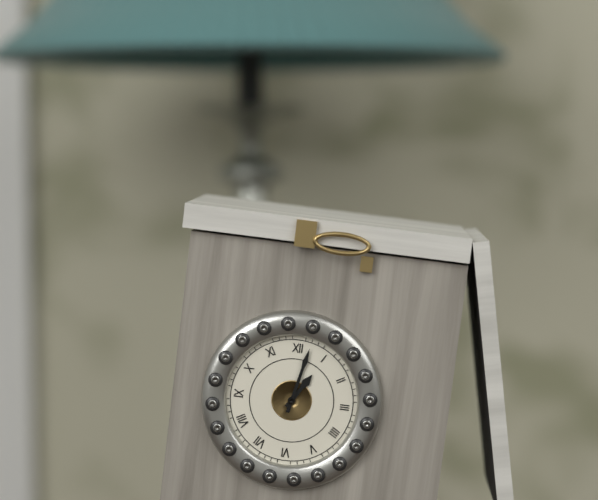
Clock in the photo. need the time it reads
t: 1:02
